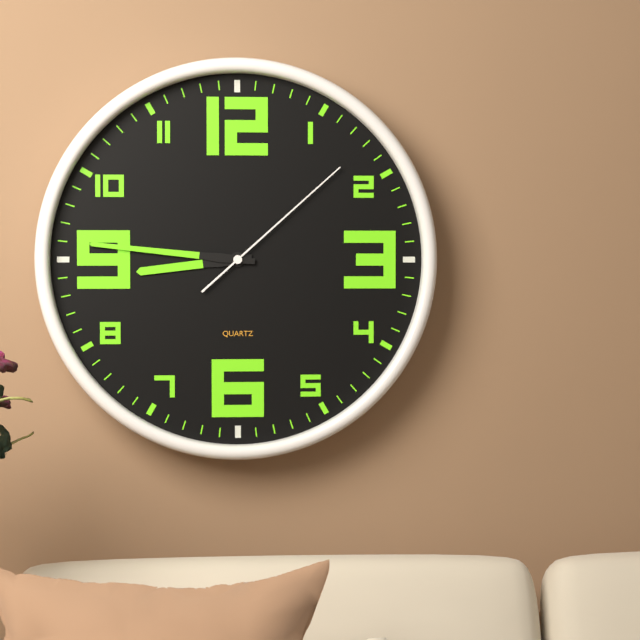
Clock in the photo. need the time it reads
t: 8:46:08
